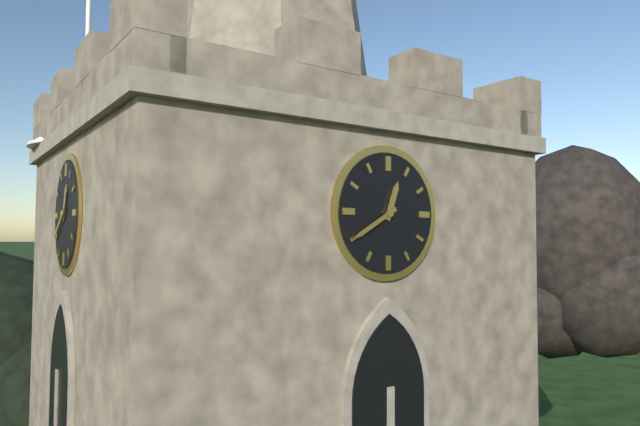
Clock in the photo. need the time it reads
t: 12:40
